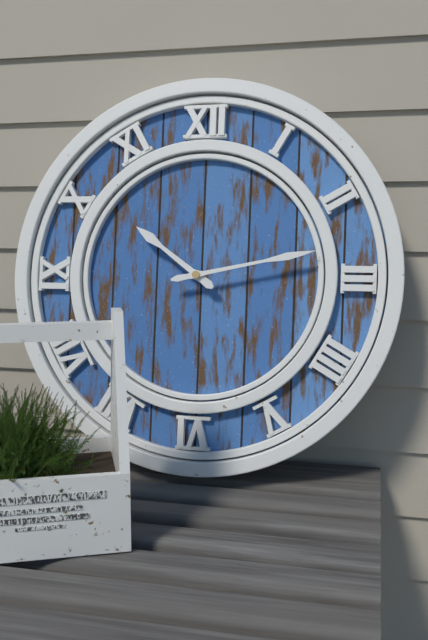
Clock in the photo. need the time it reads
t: 10:13
